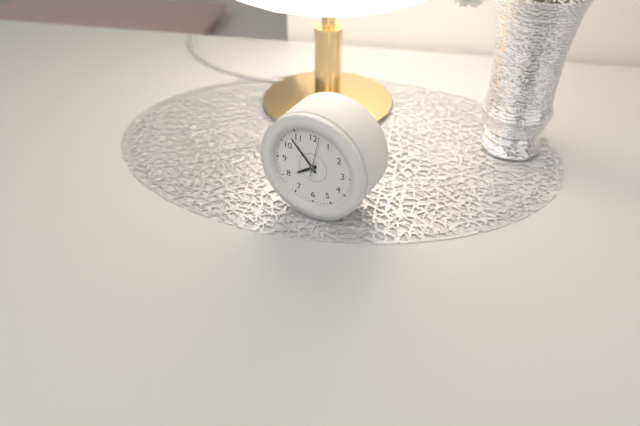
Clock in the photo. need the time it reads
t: 7:53
